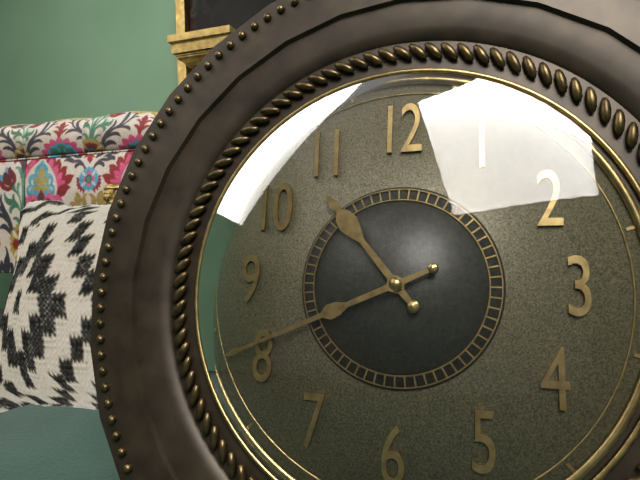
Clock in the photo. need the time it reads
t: 10:41
